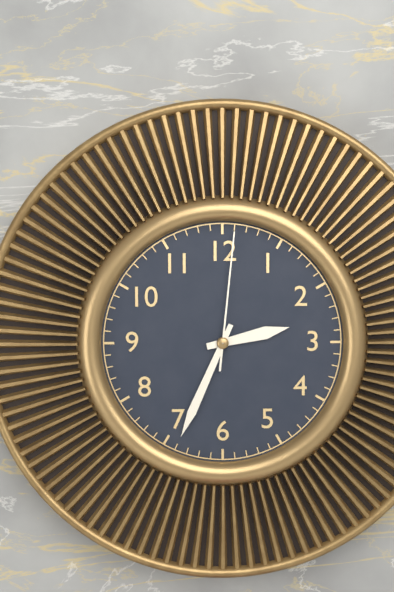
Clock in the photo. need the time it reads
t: 2:34:01
